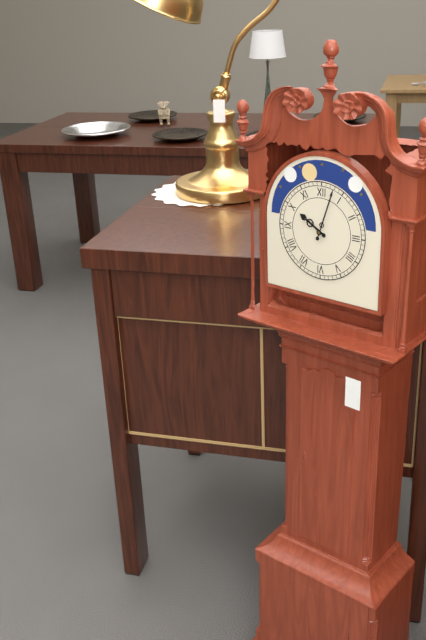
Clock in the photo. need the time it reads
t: 10:03
